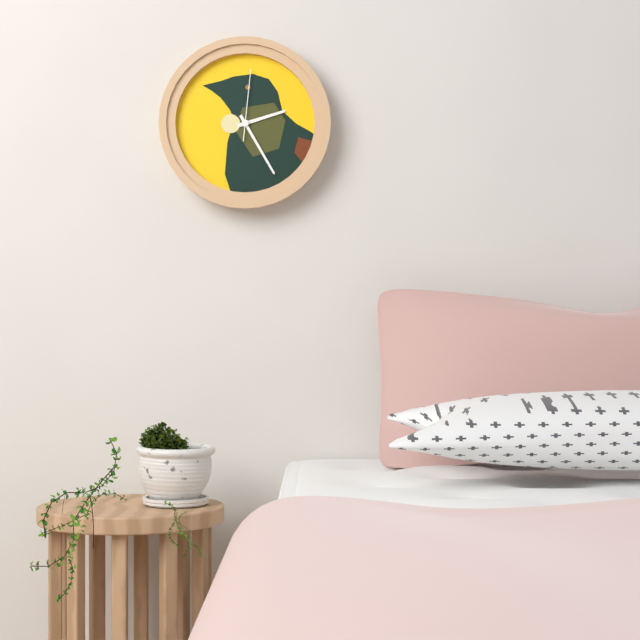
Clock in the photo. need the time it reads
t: 2:25:01
